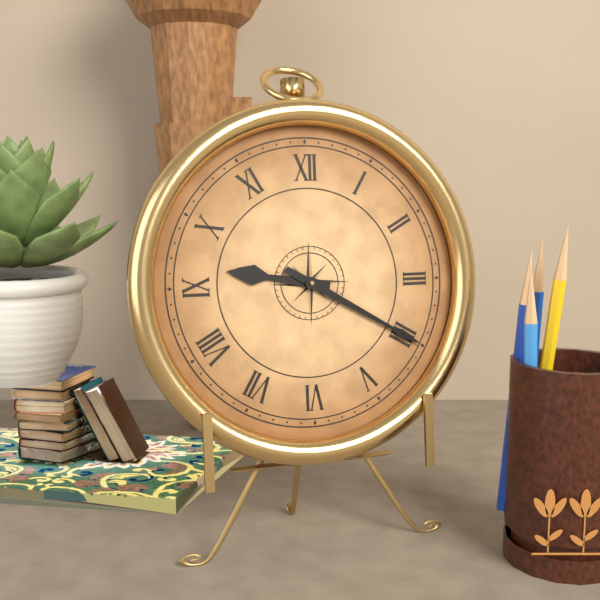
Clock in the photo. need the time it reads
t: 9:20
